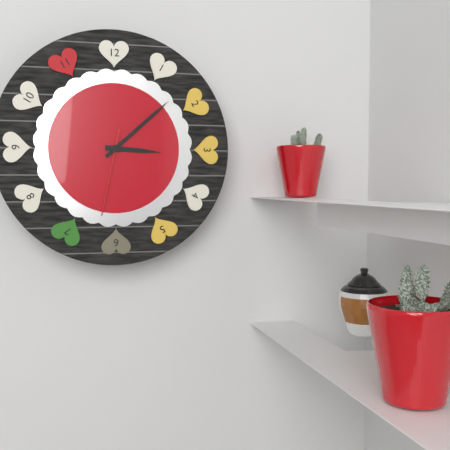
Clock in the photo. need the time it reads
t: 3:08:32
